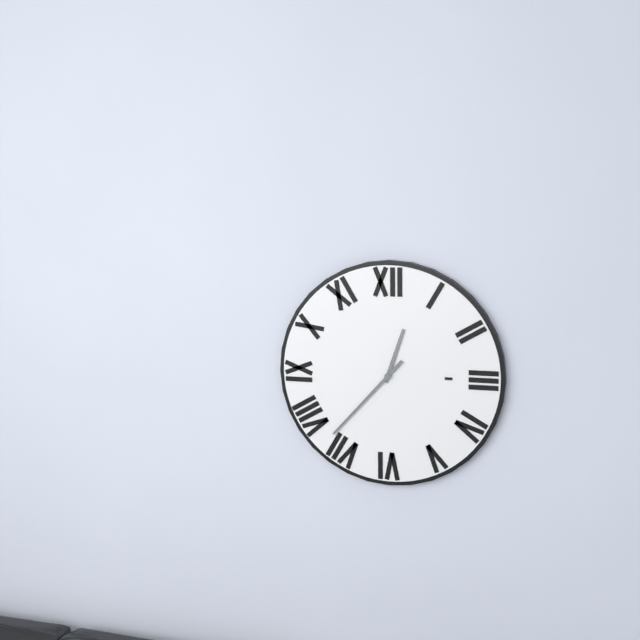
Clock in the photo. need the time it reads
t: 12:37
